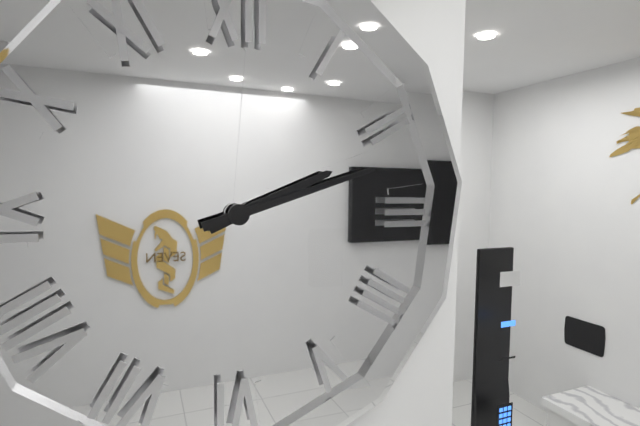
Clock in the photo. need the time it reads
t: 2:12
